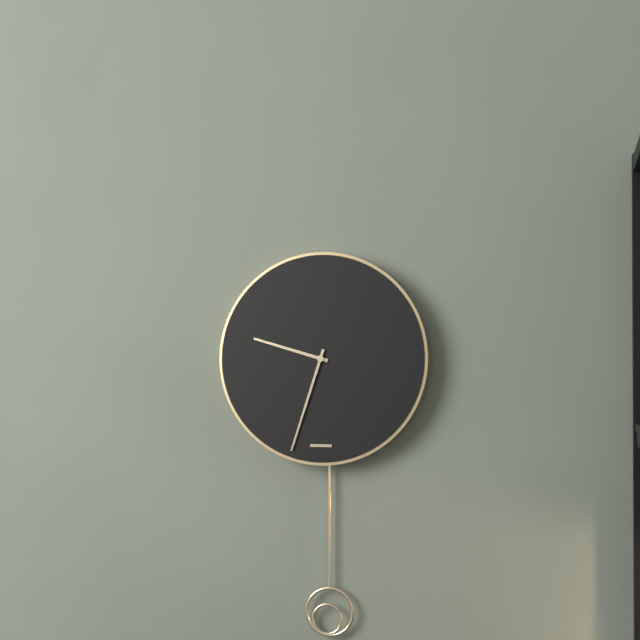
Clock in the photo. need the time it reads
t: 9:33
